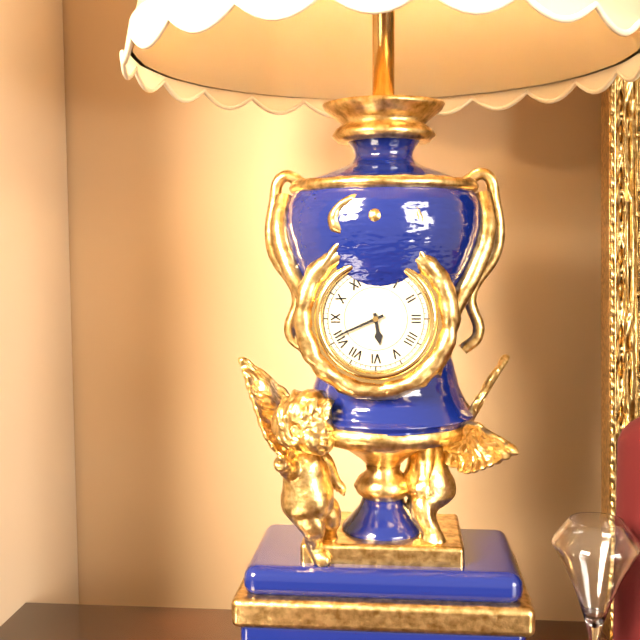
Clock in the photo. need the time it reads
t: 5:41
